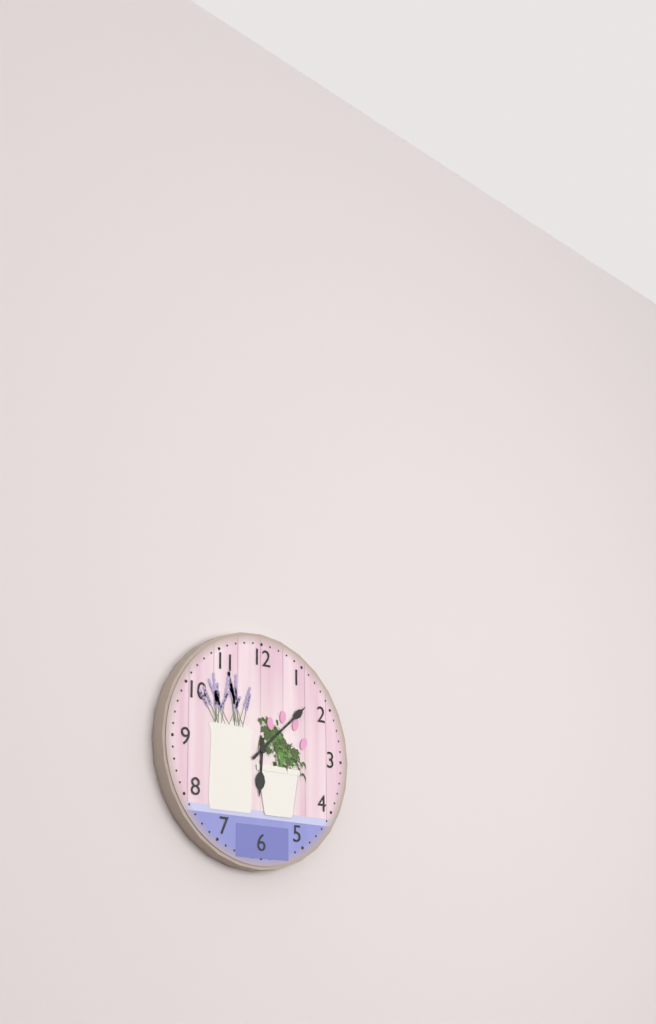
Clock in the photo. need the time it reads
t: 6:08
